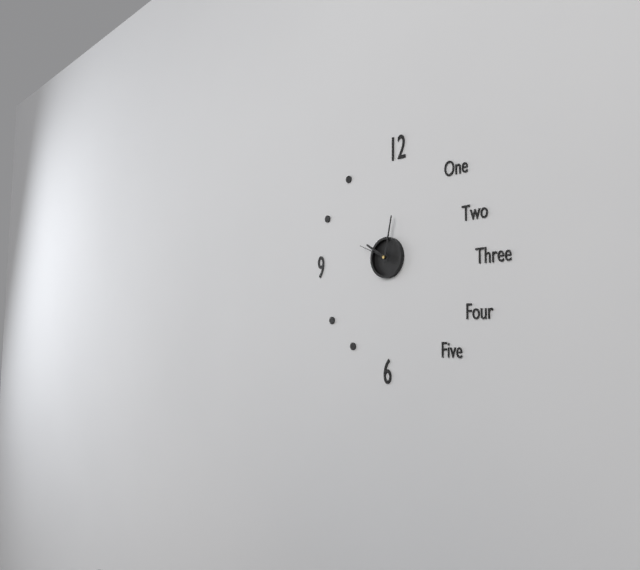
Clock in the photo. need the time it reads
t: 10:02
